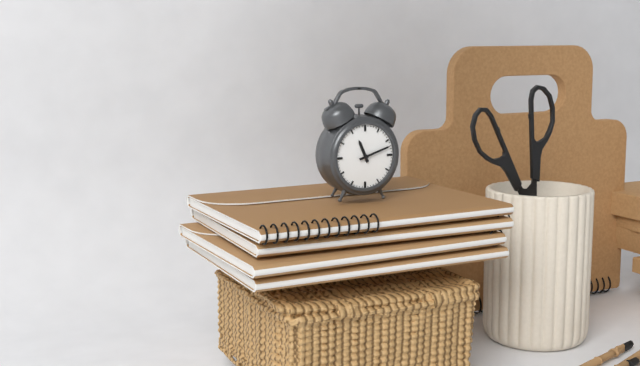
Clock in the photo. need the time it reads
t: 11:12
